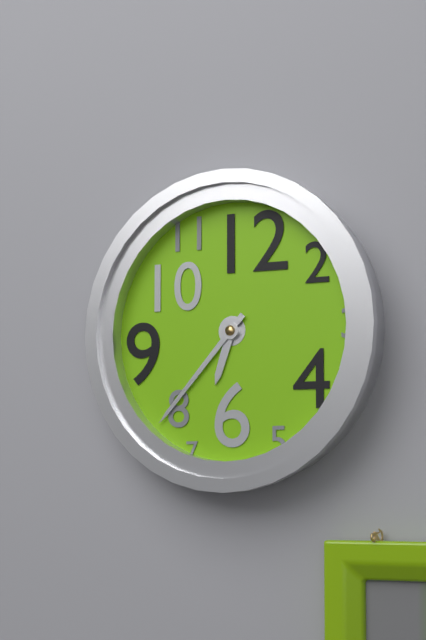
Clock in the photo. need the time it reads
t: 6:37
